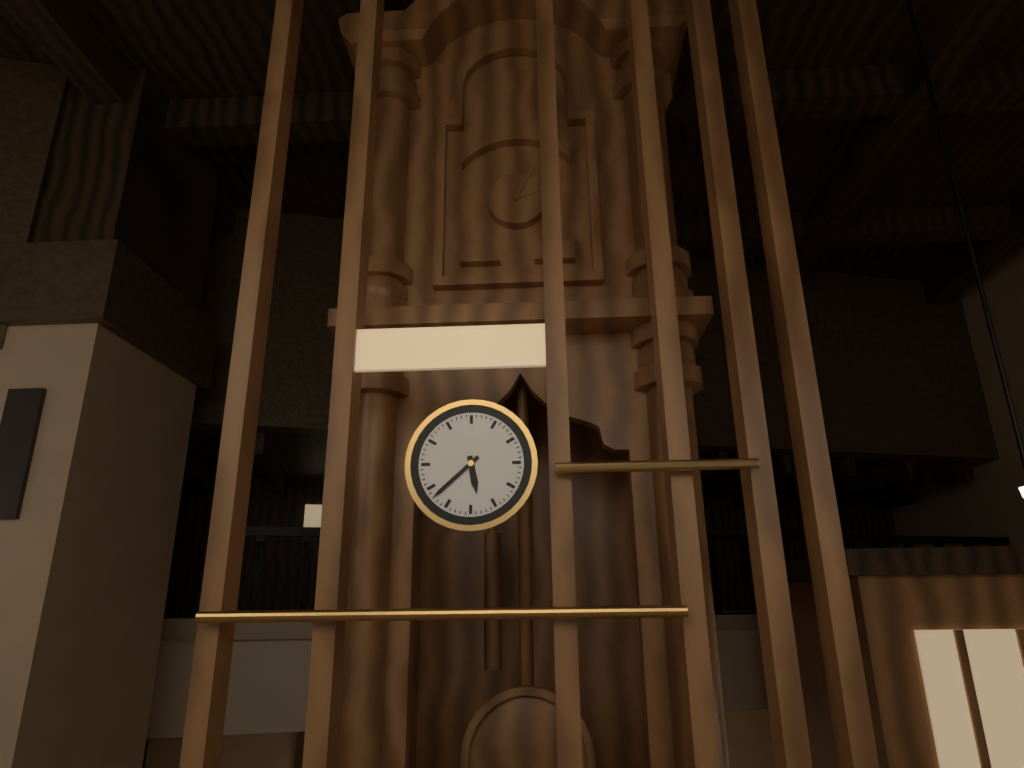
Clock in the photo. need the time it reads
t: 5:38
